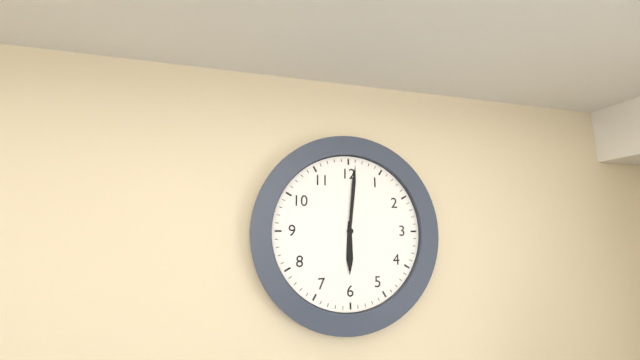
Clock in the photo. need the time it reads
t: 6:01
